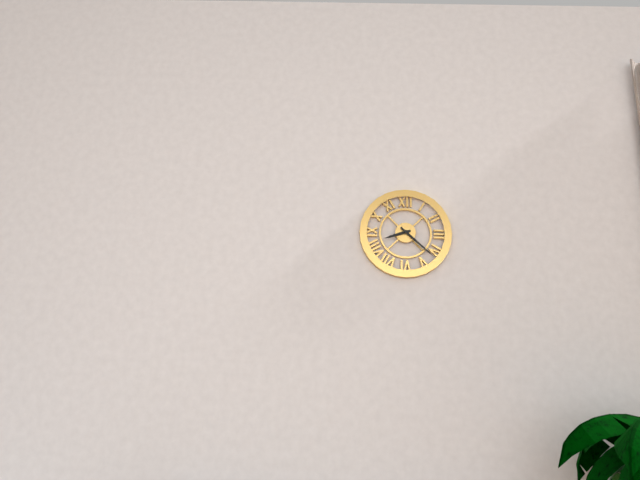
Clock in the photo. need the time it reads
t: 8:22
